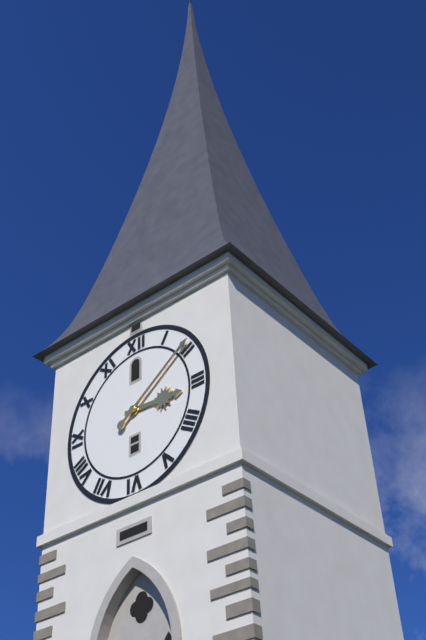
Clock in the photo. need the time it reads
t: 3:09
